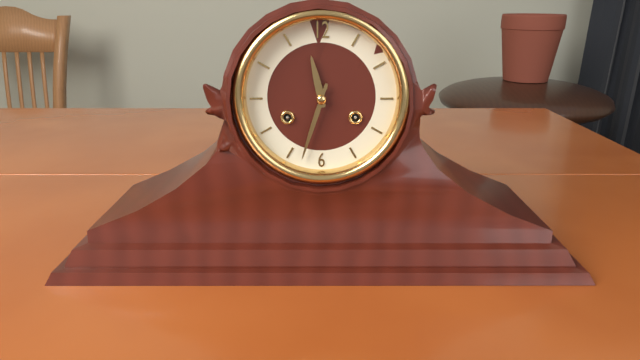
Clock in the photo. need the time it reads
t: 11:33
